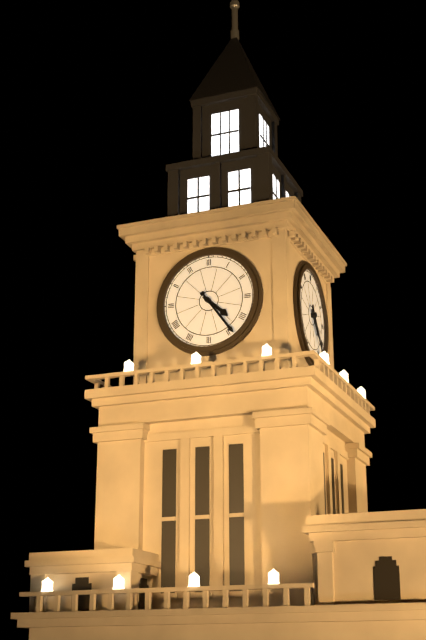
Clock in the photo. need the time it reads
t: 4:24
